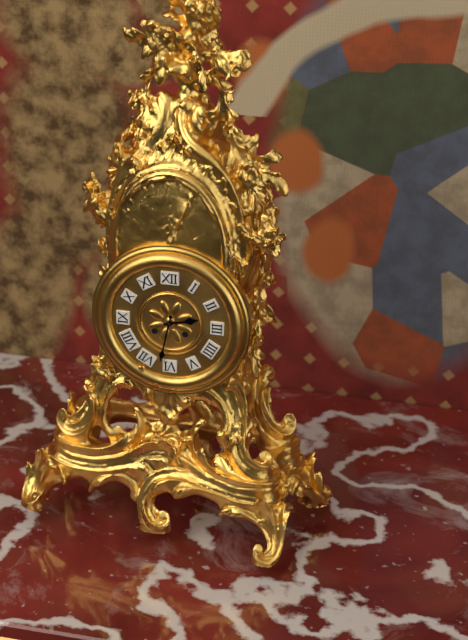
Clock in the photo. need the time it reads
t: 2:32
